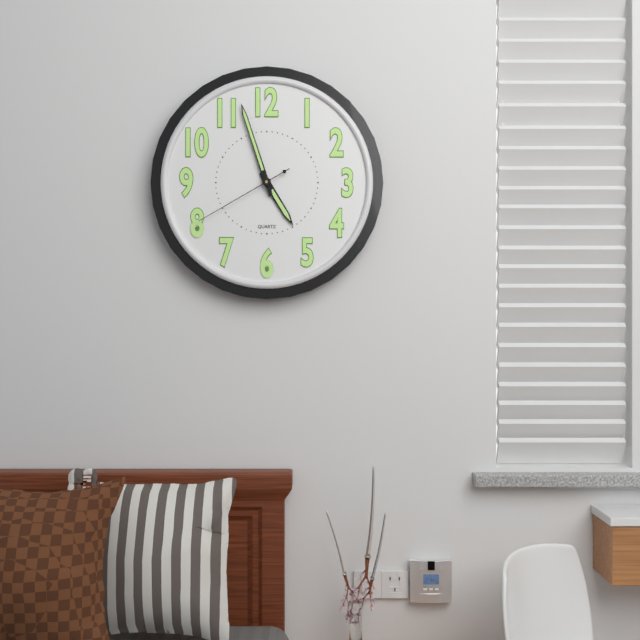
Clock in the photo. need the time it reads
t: 4:57:40
